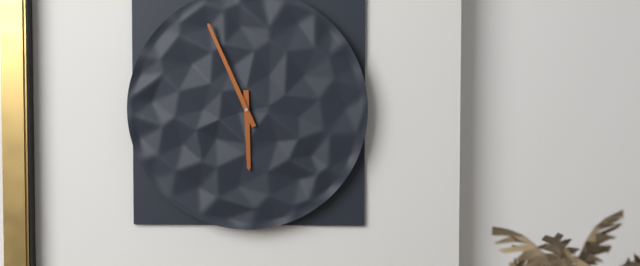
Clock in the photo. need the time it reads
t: 5:56
